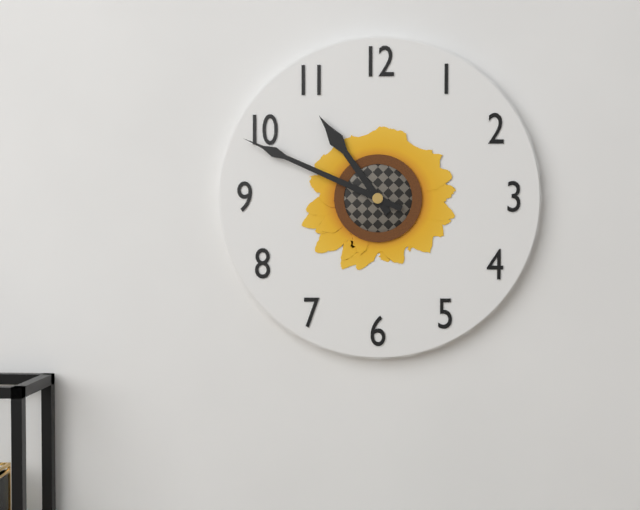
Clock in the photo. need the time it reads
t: 10:49
